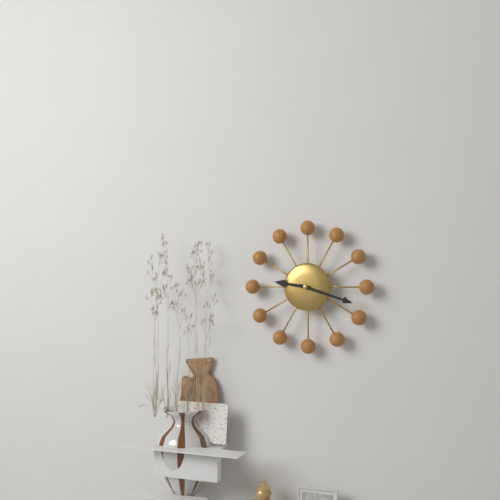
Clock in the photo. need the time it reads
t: 9:18
